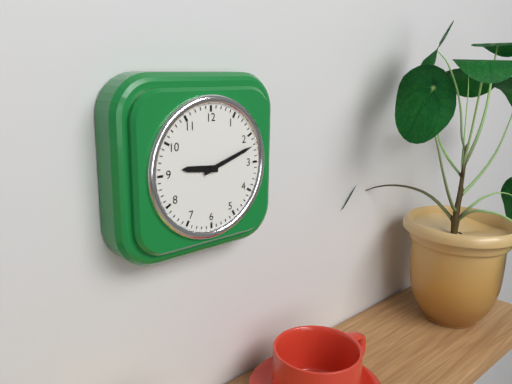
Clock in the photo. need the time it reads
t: 9:12
